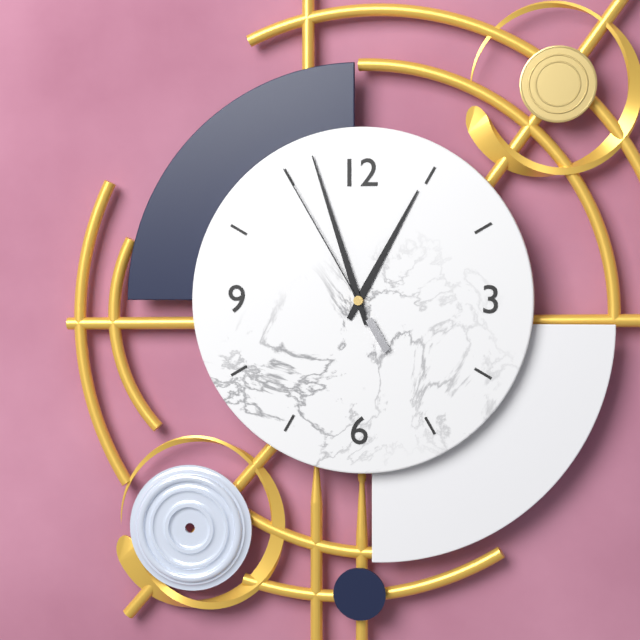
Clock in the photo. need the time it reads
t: 12:57:55
